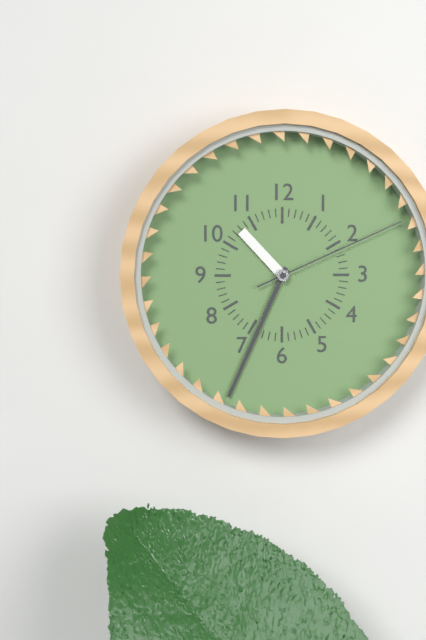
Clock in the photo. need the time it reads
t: 10:34:11
